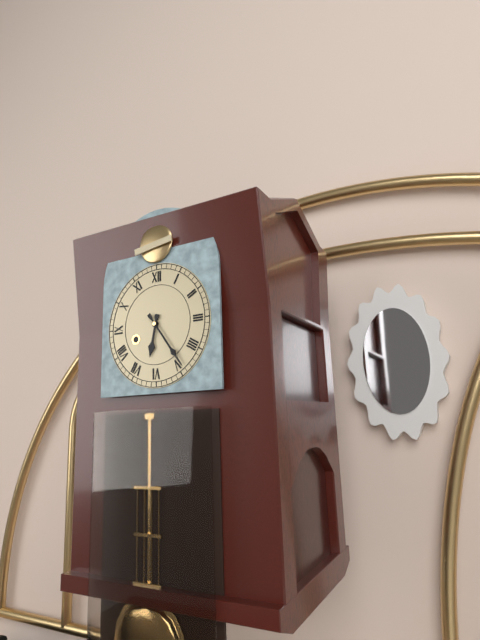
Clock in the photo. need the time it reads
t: 6:24
